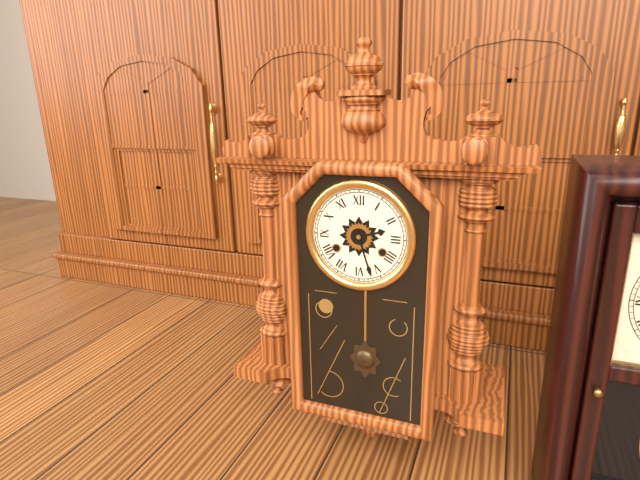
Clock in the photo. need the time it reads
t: 2:27
